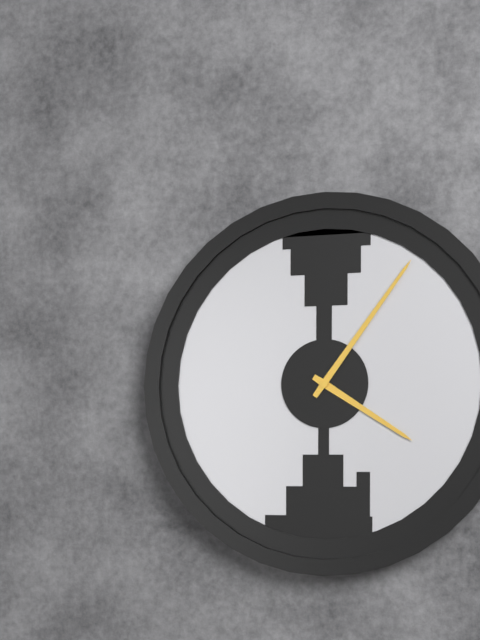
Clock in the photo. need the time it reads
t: 4:06
